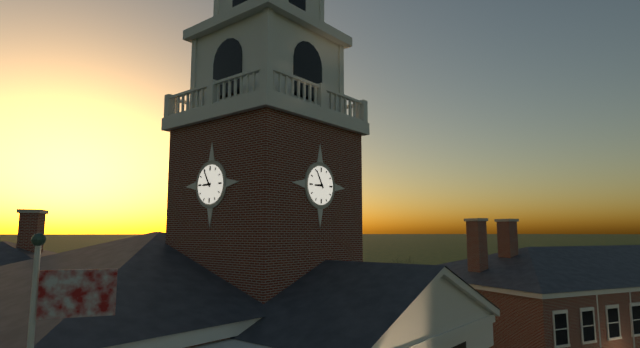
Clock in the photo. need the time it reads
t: 8:55
